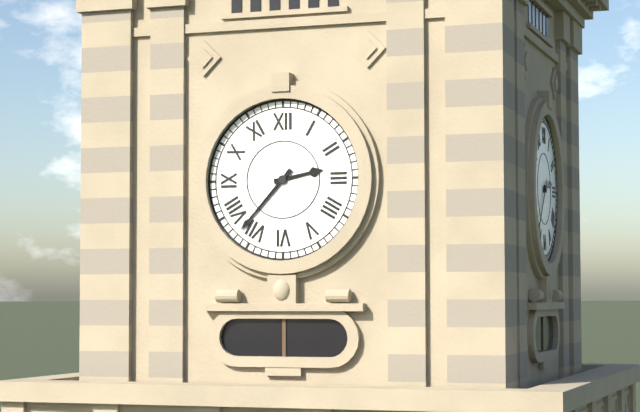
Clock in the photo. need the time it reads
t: 2:37
